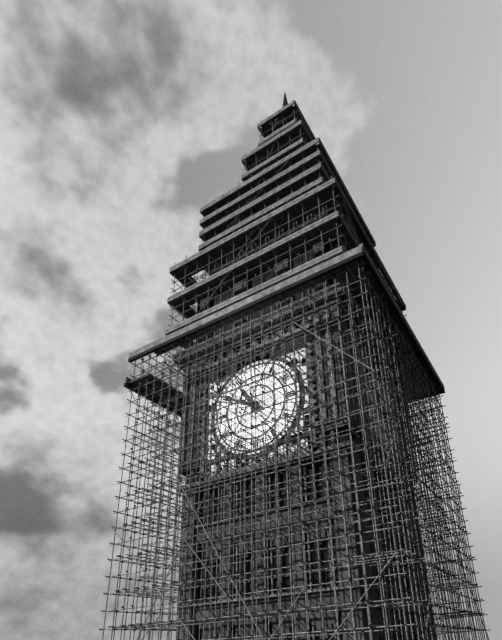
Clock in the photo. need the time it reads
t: 10:50
